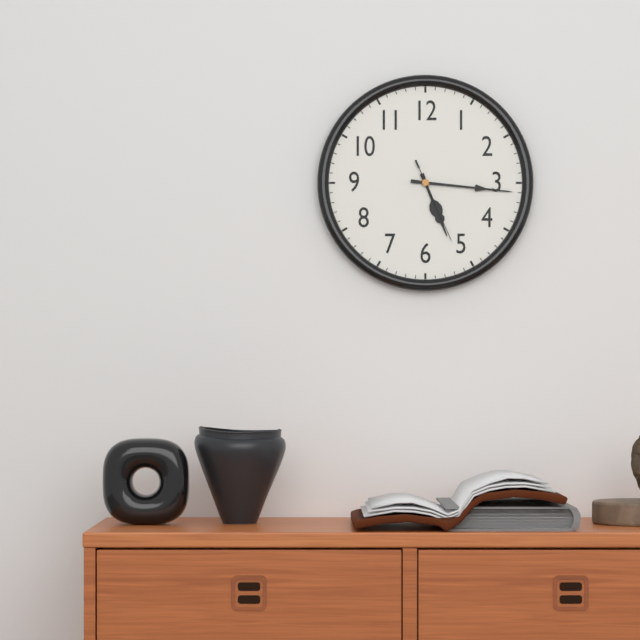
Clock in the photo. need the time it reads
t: 5:16:26
